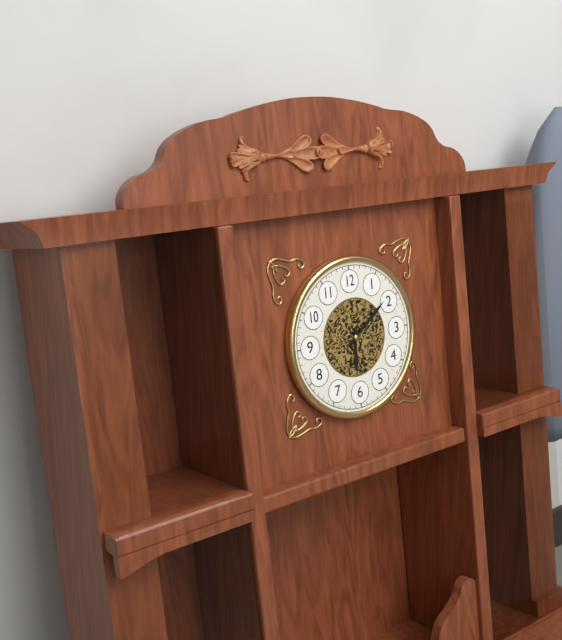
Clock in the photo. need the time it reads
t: 6:09
